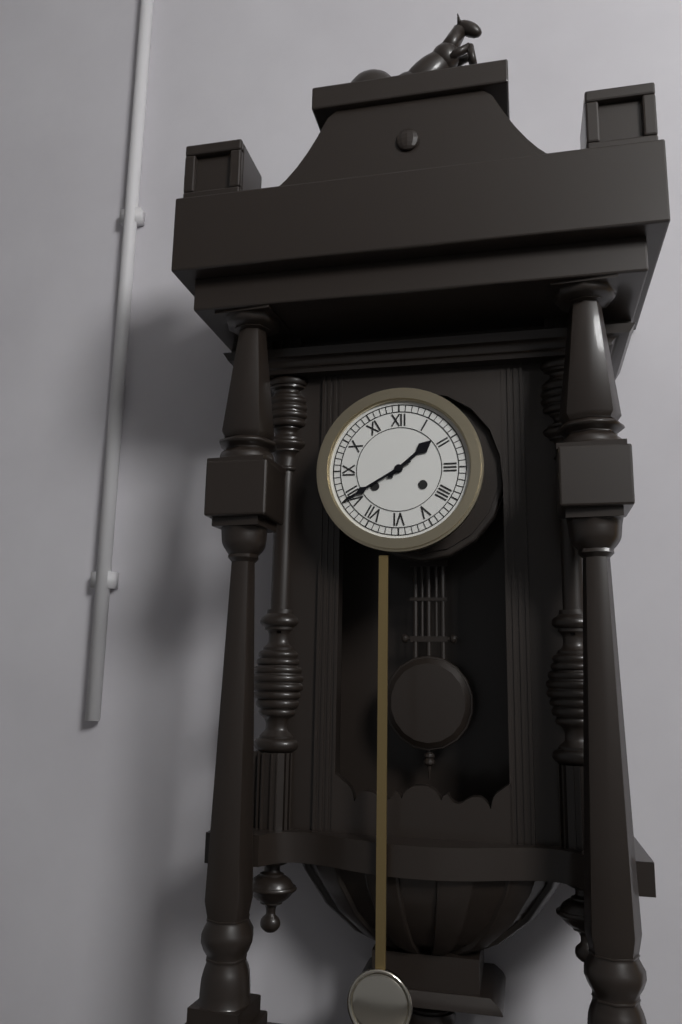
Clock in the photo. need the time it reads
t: 1:40
